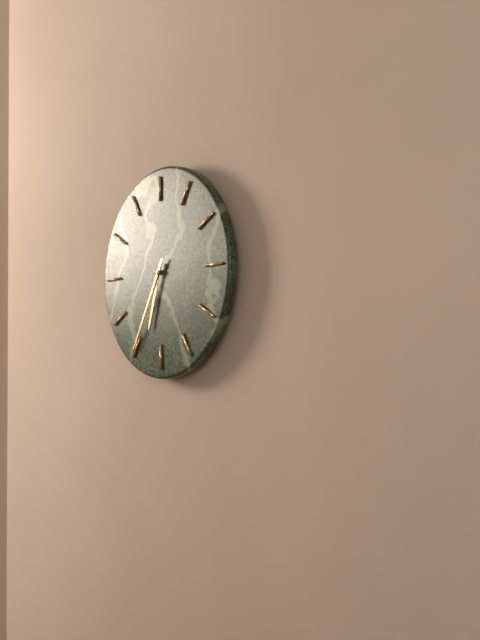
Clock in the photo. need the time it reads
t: 6:35
